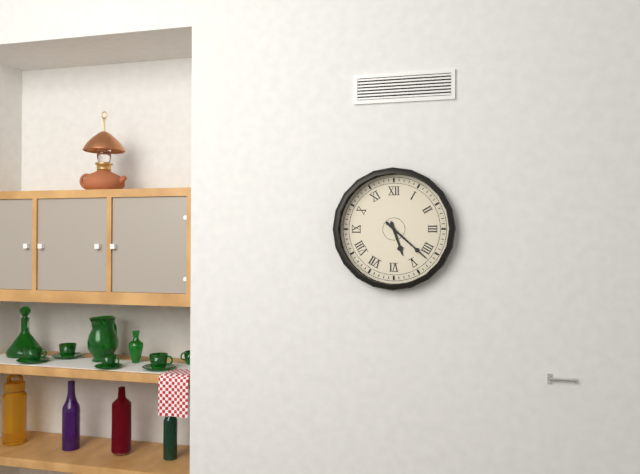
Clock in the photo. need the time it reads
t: 5:22
